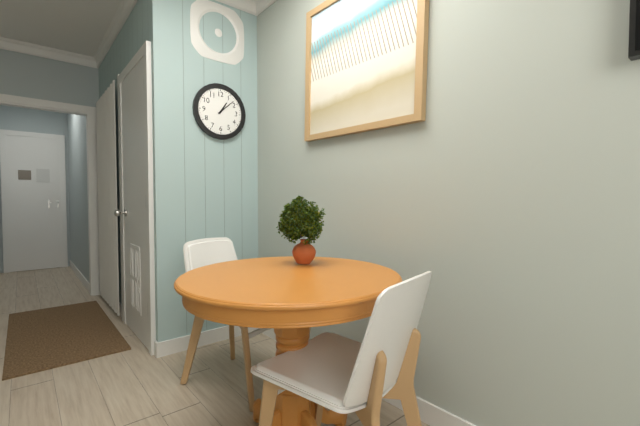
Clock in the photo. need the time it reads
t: 1:08
